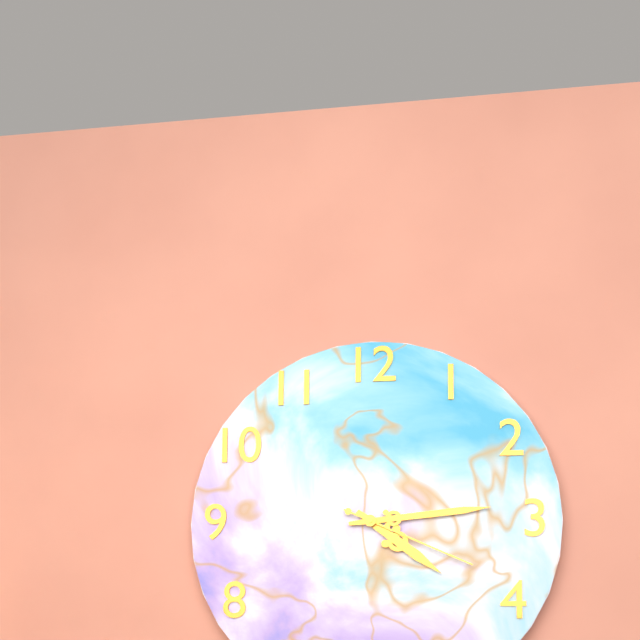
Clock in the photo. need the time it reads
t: 4:14:19
